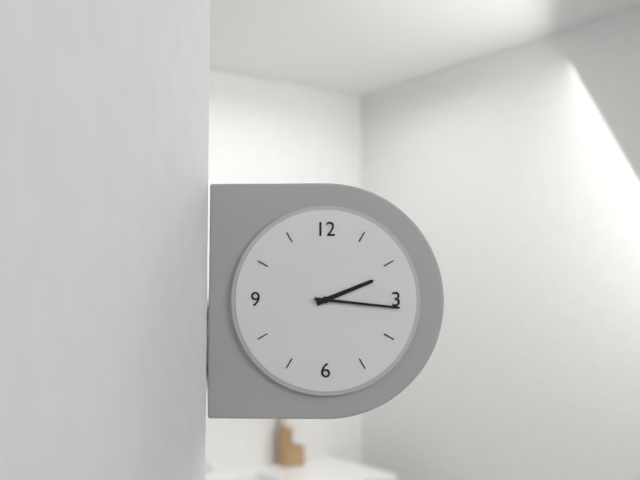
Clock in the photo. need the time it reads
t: 2:16
